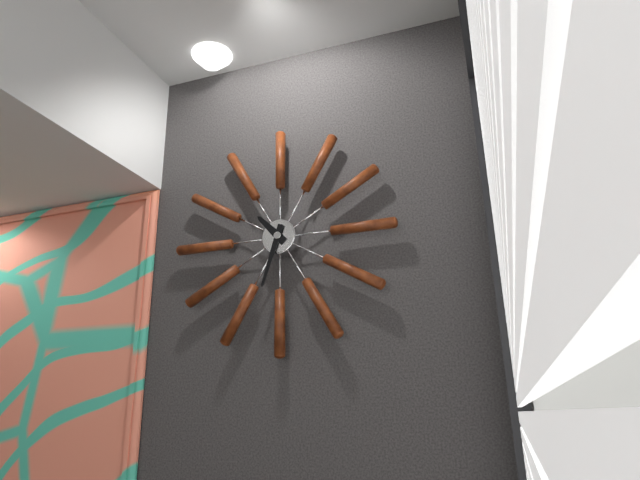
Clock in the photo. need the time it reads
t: 10:33
